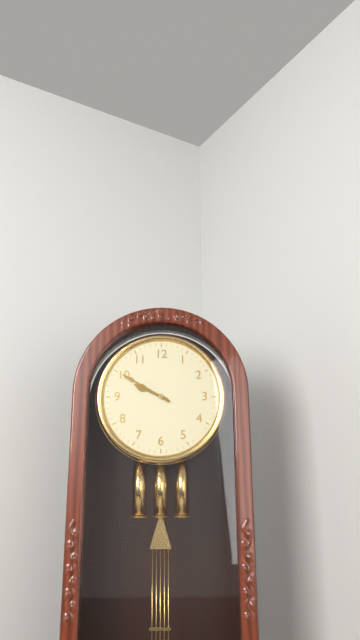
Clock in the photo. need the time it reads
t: 9:50
